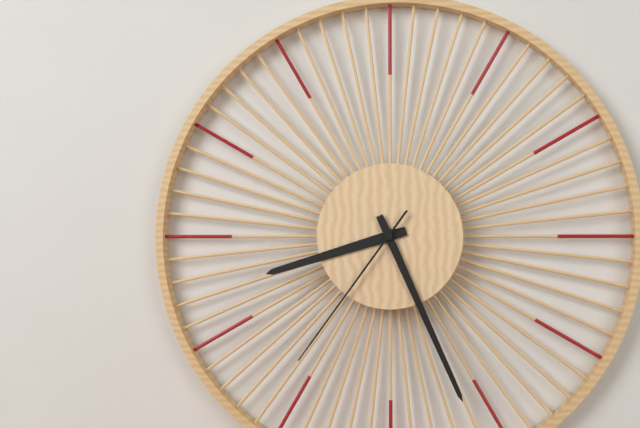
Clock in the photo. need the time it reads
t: 8:26:36
